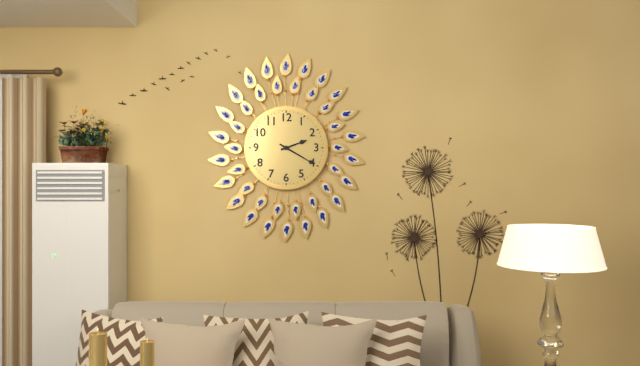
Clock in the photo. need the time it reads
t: 2:20
